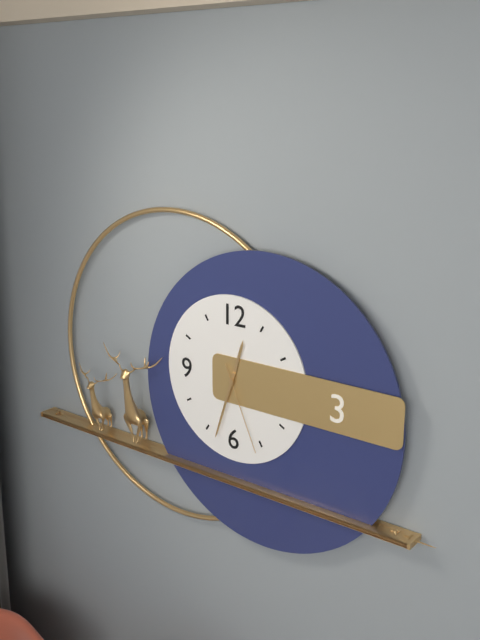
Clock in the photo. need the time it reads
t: 12:33:26
